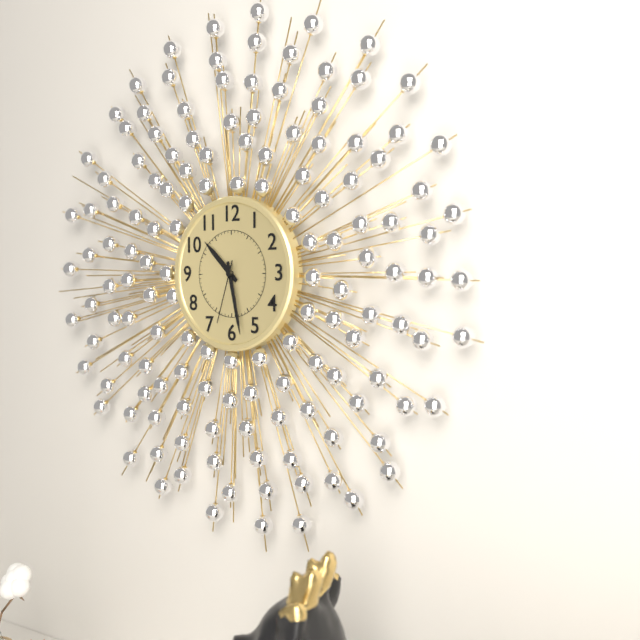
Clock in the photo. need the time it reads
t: 10:28:33
